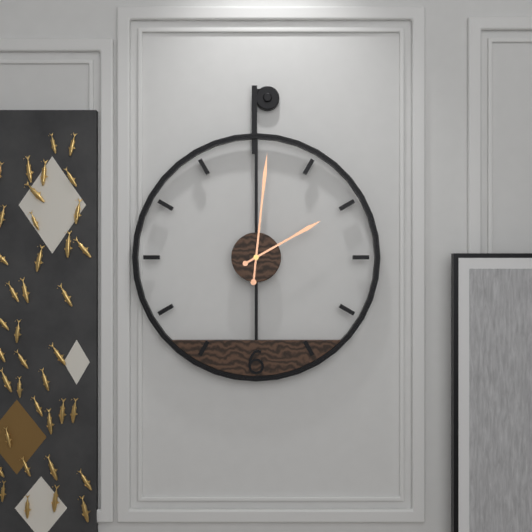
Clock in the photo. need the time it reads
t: 2:01
